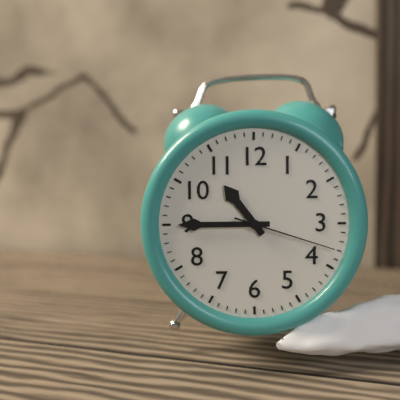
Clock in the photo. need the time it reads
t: 10:45:18
